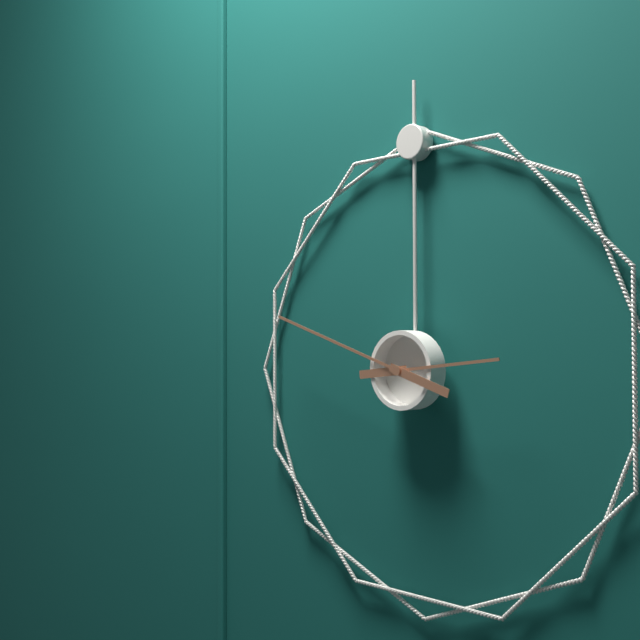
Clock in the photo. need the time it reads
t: 2:48
